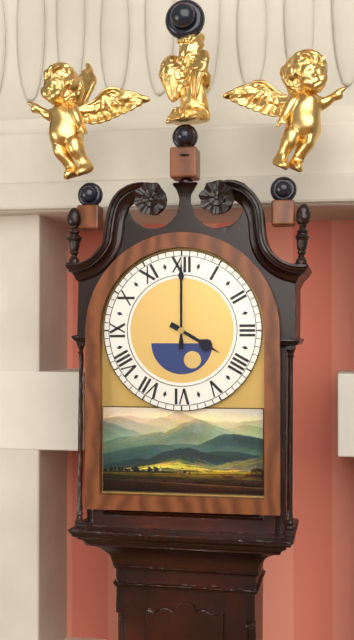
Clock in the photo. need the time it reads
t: 4:00
